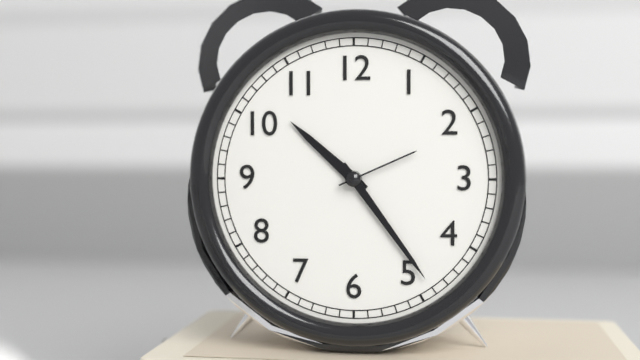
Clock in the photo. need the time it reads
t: 10:24:11
